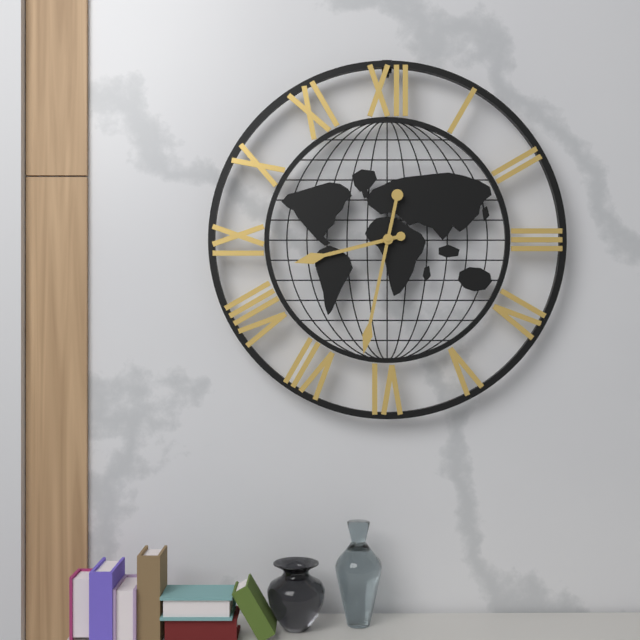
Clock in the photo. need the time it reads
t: 8:32
